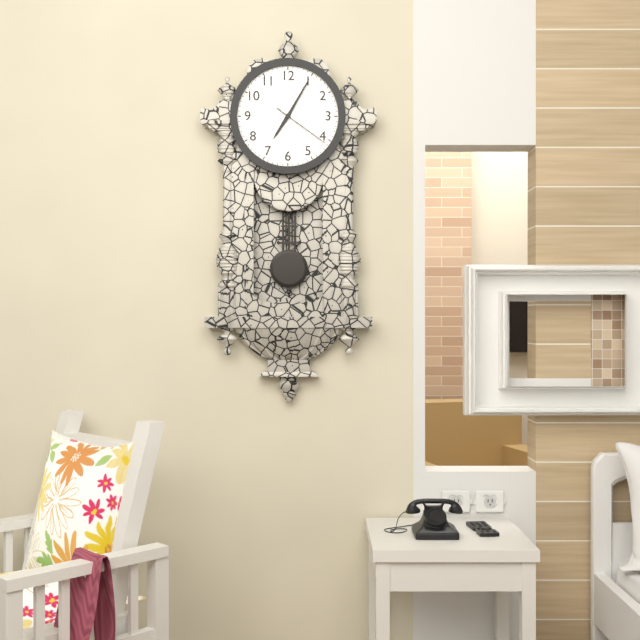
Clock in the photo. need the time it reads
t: 7:05:21
